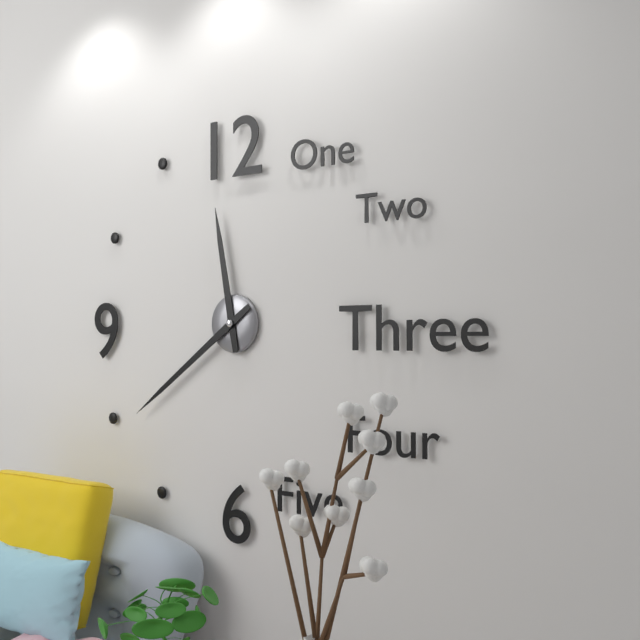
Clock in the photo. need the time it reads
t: 11:39
